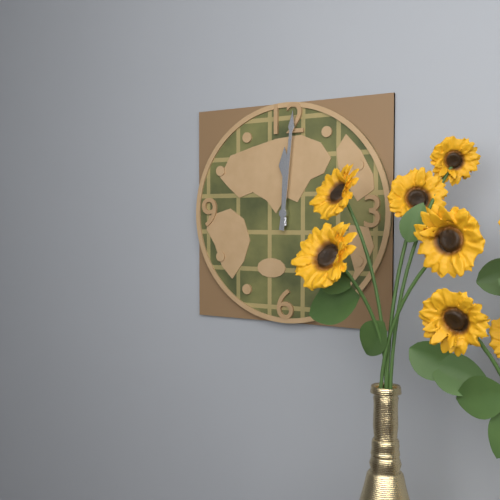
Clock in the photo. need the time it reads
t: 12:01
